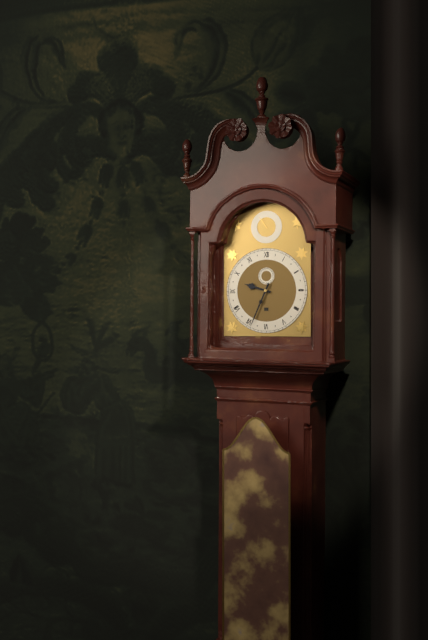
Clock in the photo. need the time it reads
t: 9:34
